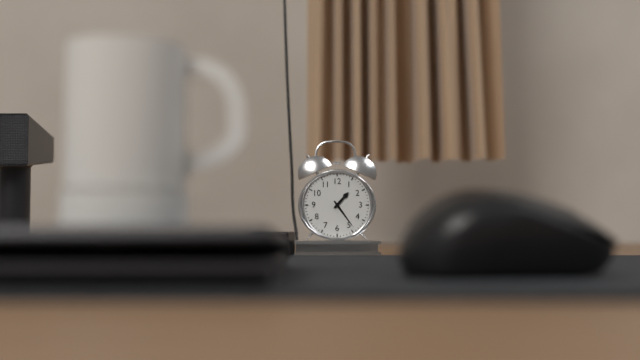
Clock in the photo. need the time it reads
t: 1:24
